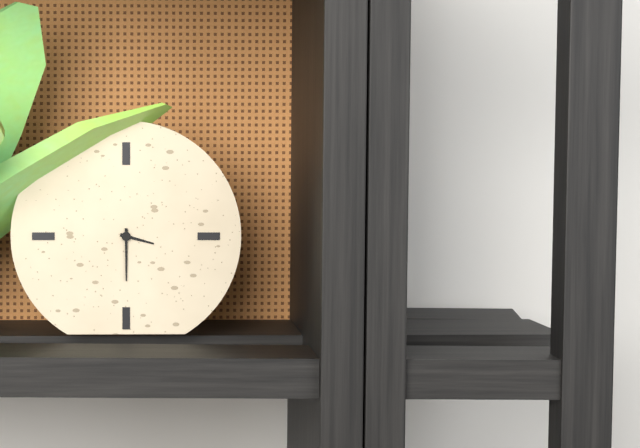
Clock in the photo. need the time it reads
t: 3:30
